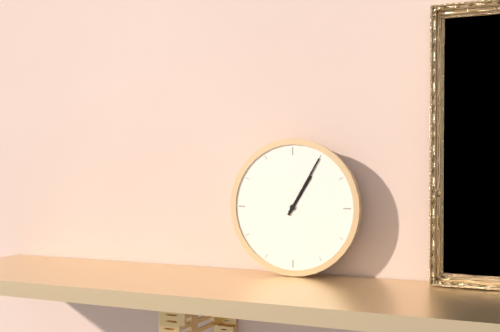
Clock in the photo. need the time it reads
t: 1:05
